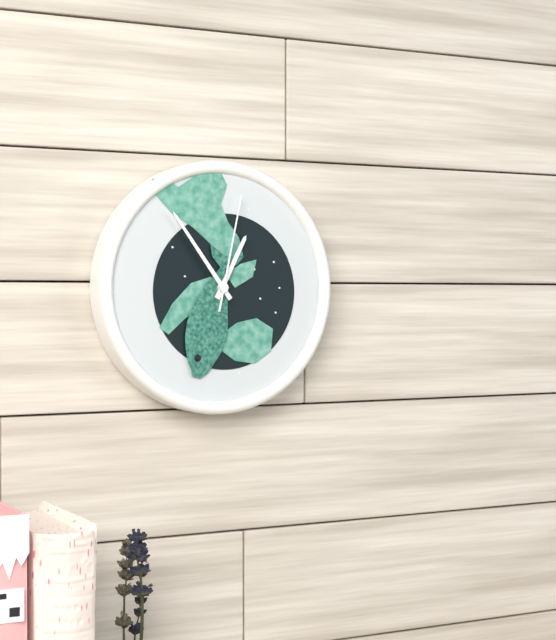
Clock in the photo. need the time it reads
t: 12:54:02
